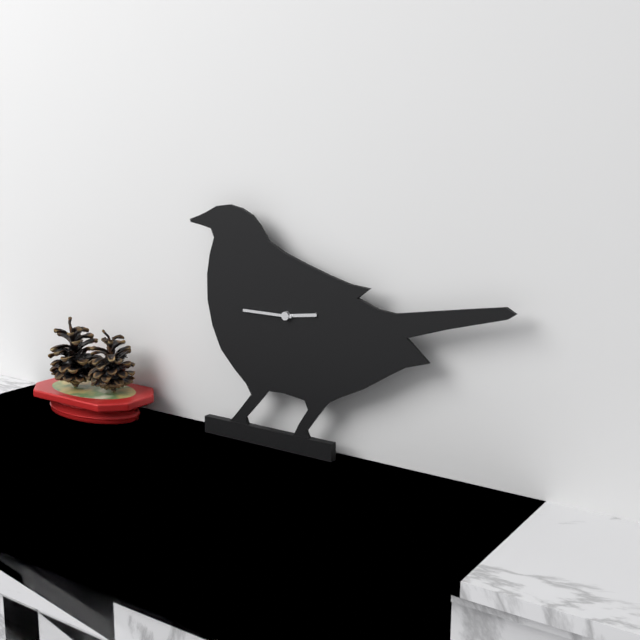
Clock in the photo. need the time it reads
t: 2:45
